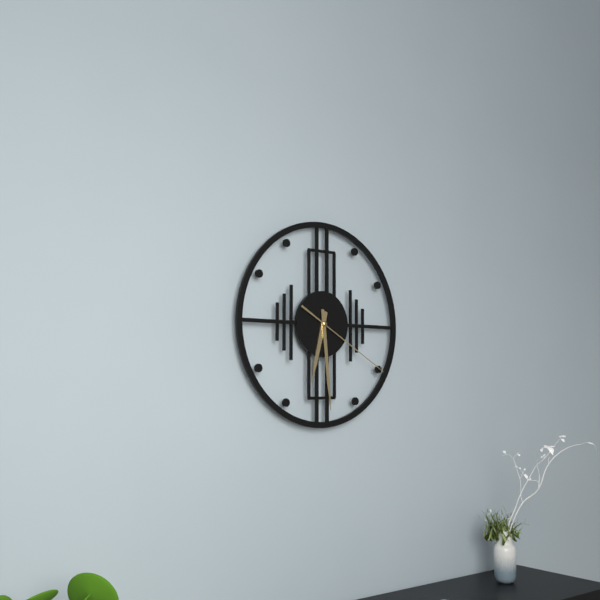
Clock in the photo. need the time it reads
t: 6:29:20
